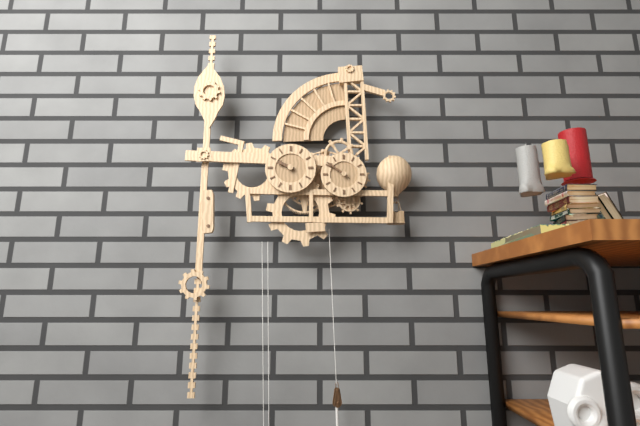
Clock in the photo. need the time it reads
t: 9:51
